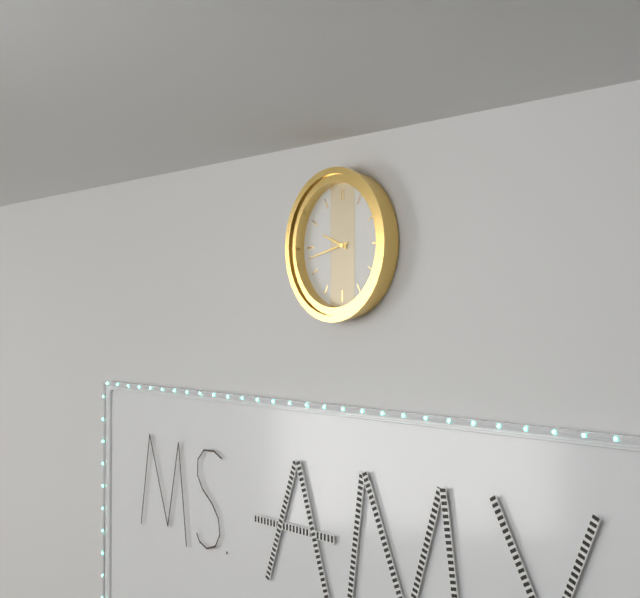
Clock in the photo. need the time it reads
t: 9:43
